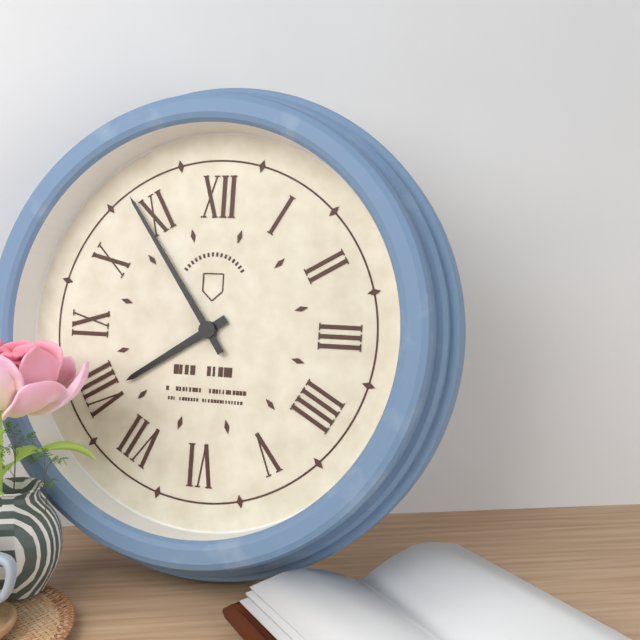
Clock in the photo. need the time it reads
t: 7:54
